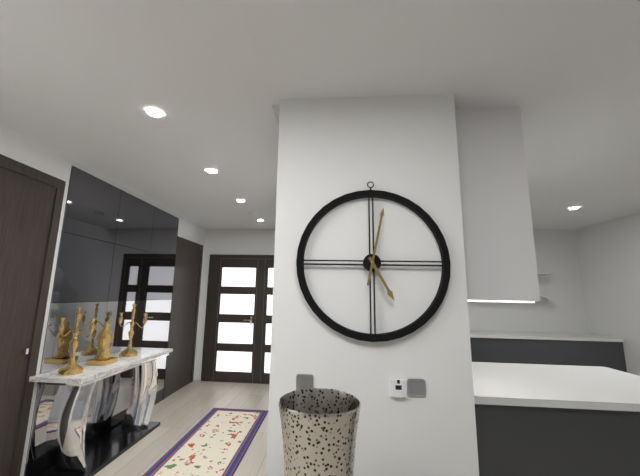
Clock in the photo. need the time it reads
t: 5:02
